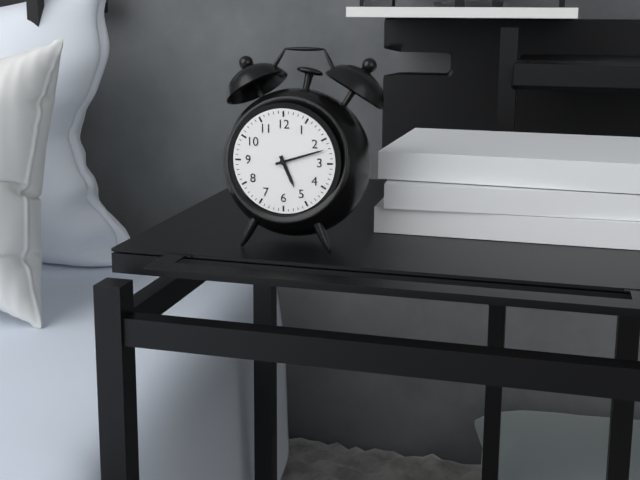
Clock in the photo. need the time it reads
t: 5:12
